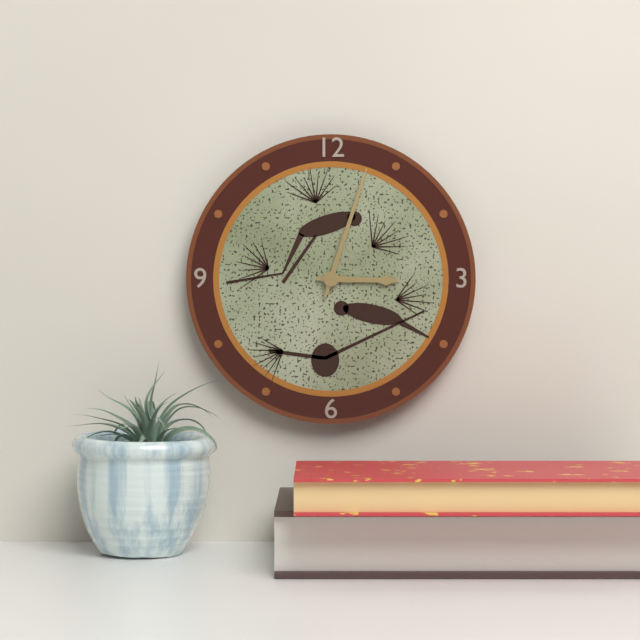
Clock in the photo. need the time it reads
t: 3:03
